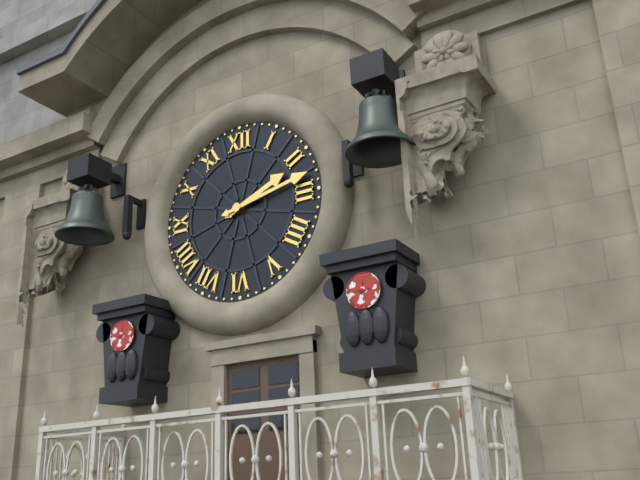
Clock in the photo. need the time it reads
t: 2:13
